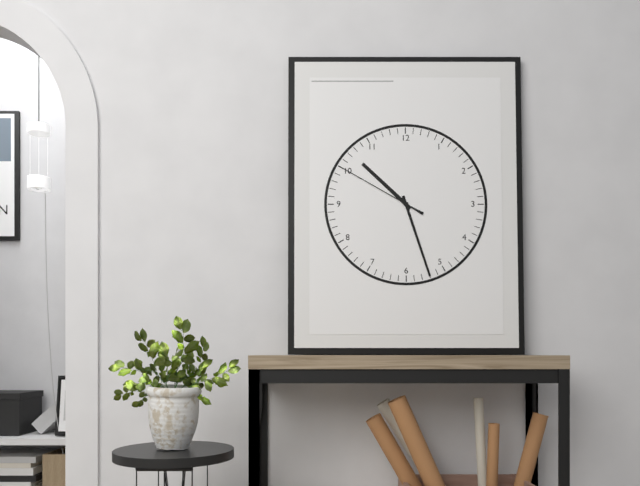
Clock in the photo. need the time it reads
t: 10:27:50
